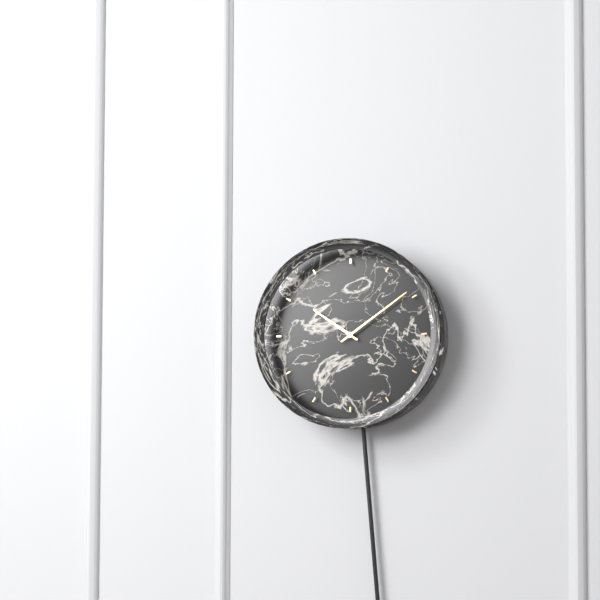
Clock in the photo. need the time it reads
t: 10:09
